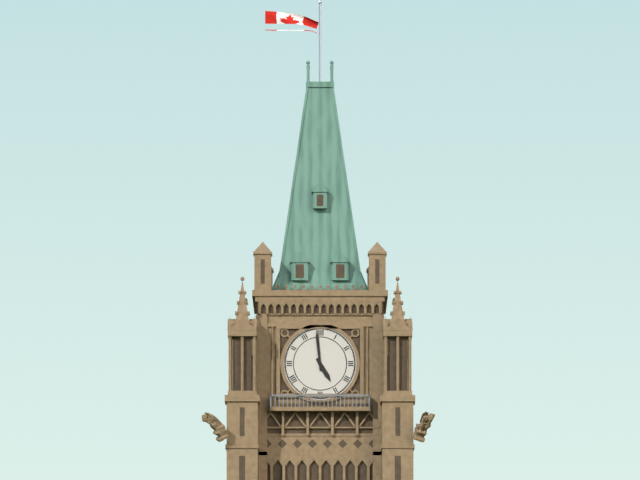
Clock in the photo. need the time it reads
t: 4:59
